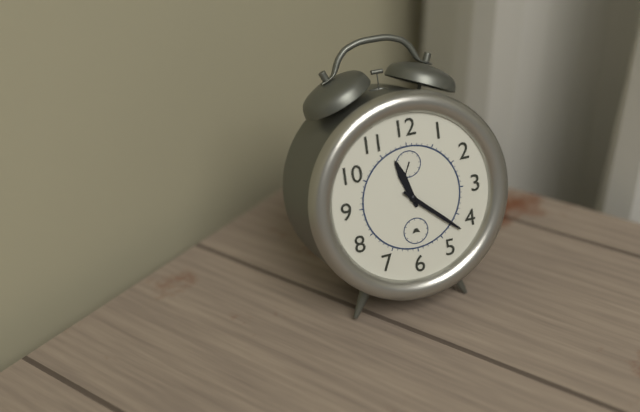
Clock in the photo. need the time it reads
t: 11:22
